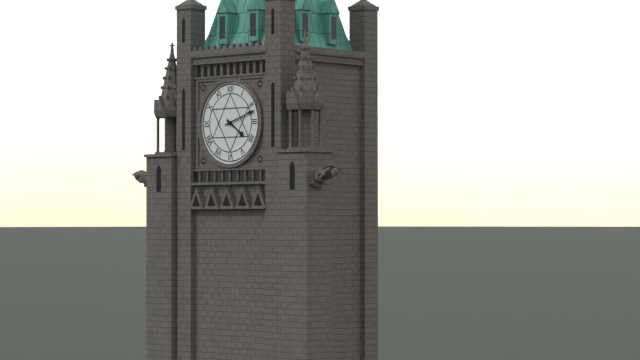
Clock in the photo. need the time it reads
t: 4:12
